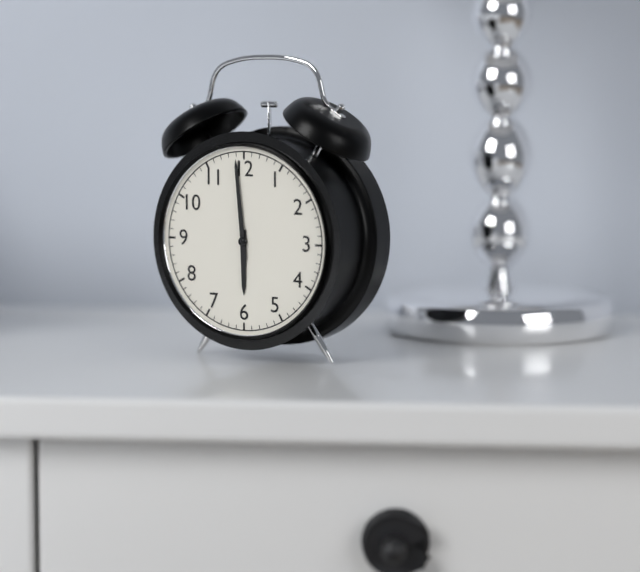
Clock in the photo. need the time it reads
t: 5:59
